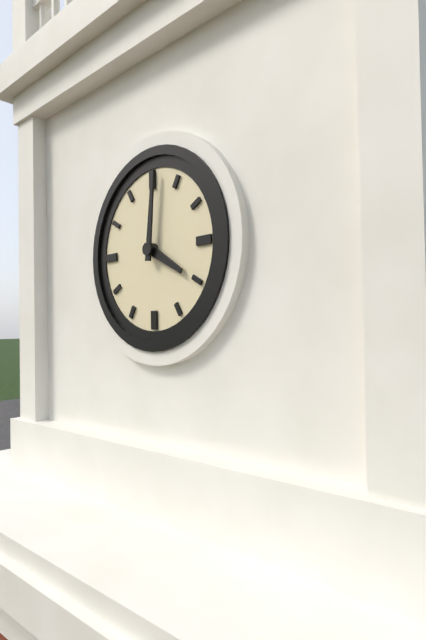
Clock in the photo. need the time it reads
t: 4:01
